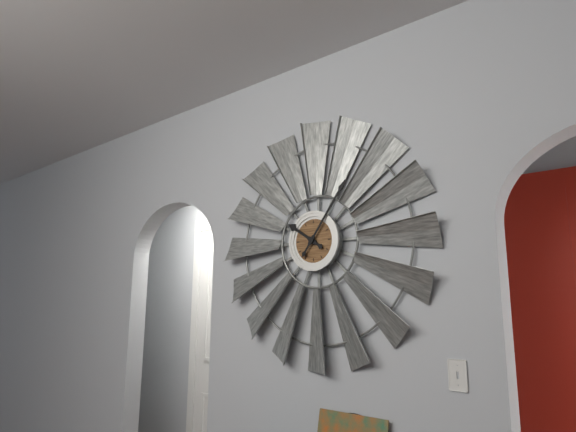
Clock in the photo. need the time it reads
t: 10:06
